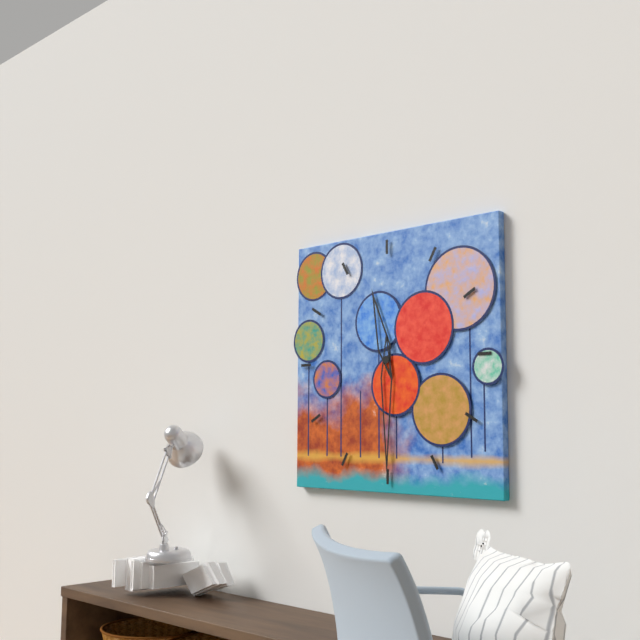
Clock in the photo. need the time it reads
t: 11:30
